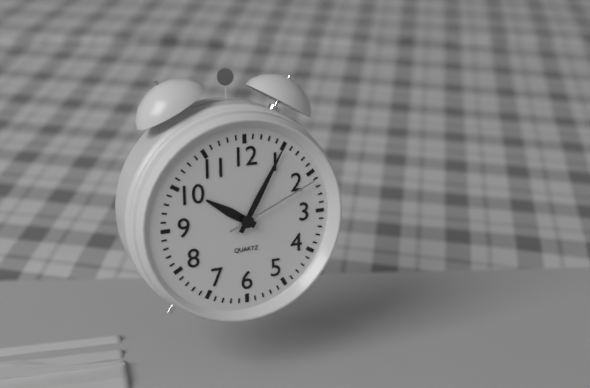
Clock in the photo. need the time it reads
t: 10:05:11
